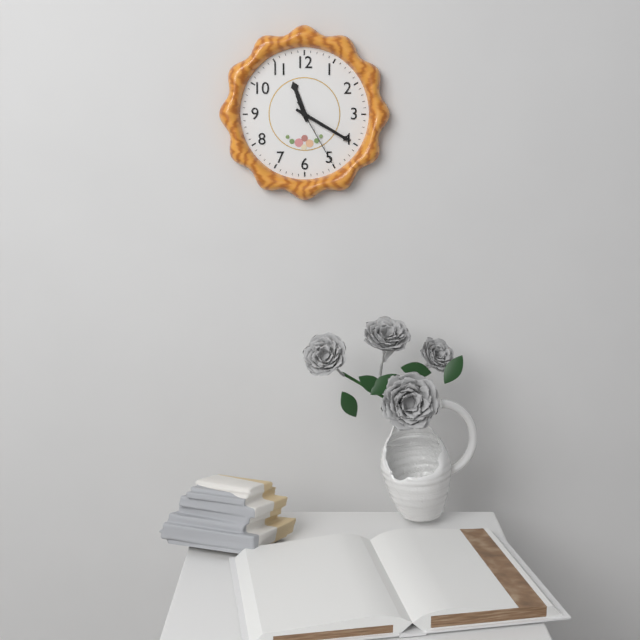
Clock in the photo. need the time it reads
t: 11:20:25
